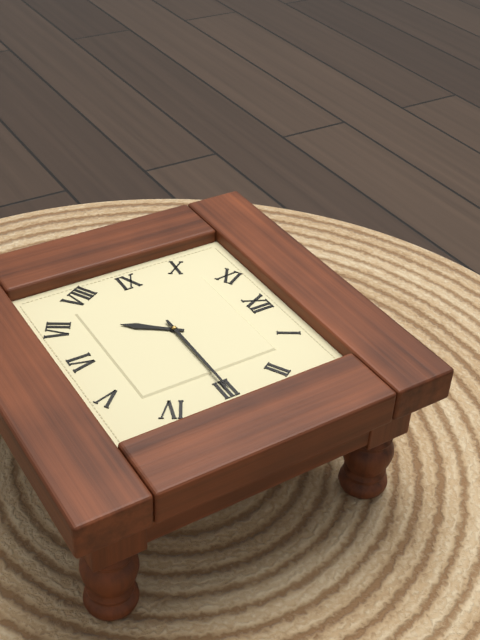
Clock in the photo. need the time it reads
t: 7:15
